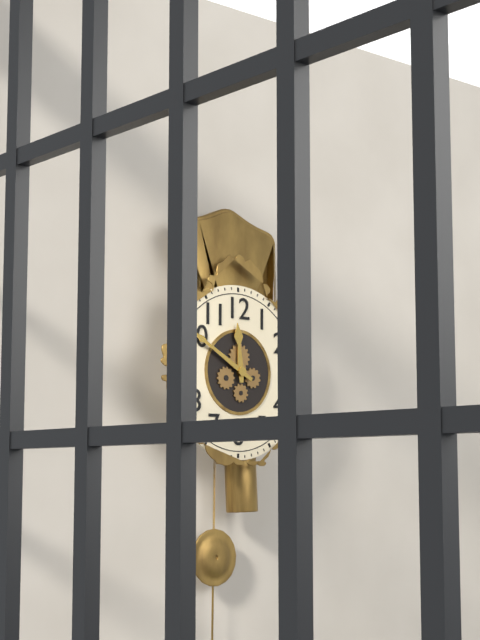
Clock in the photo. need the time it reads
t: 11:50
